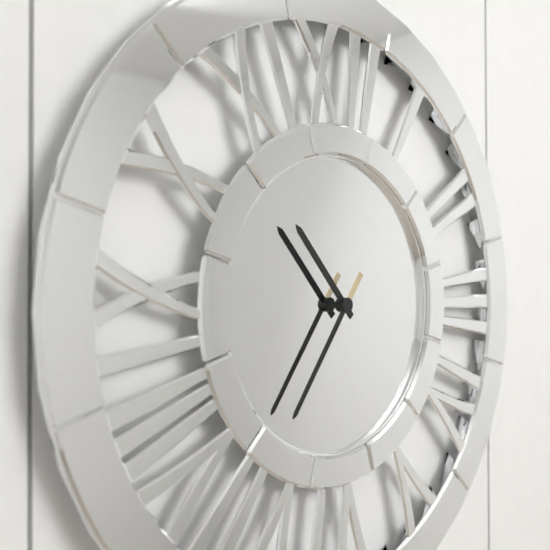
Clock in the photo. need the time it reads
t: 10:36
